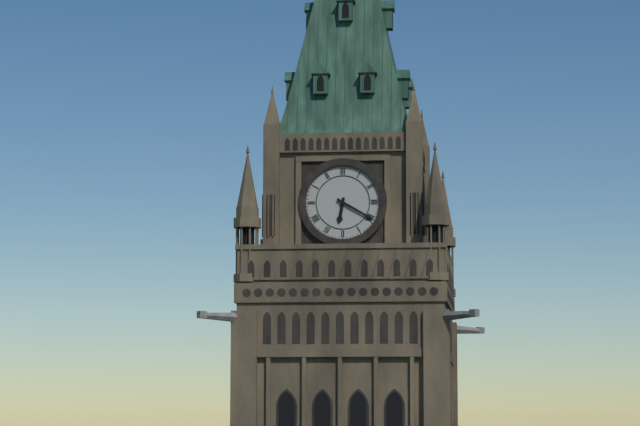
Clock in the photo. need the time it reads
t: 6:20
